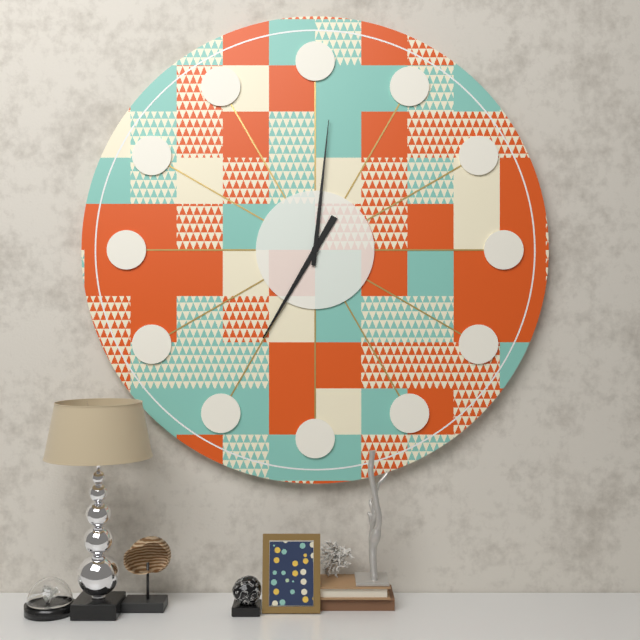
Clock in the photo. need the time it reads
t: 7:01
